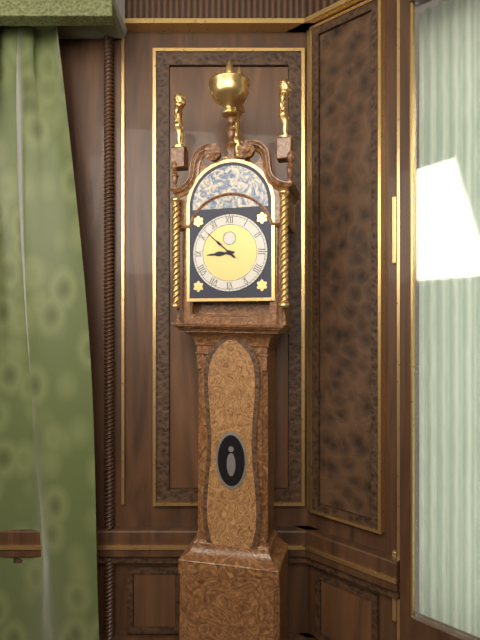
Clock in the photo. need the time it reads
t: 8:52
